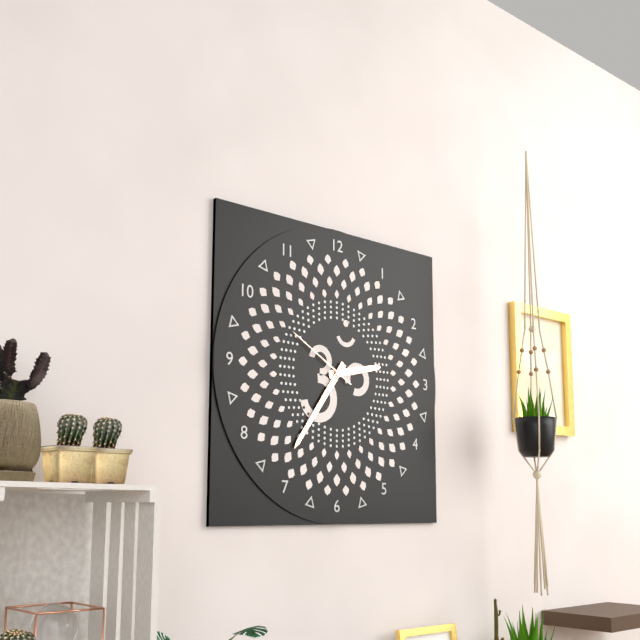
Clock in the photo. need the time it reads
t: 2:36:50
